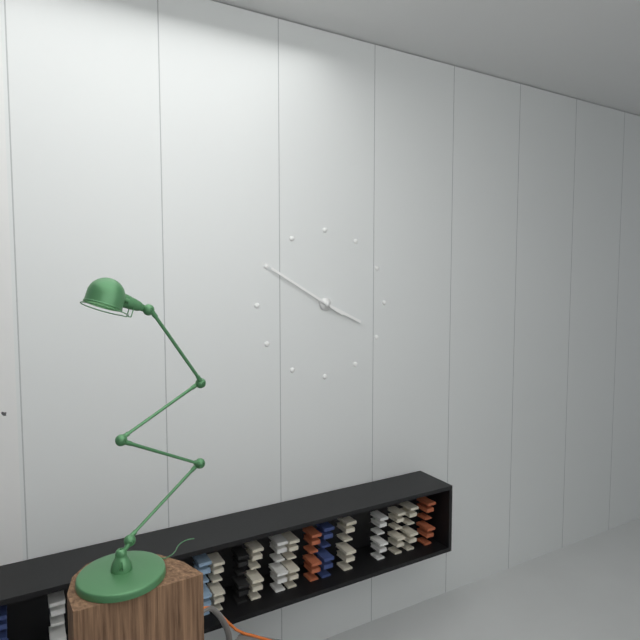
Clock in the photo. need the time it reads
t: 3:50
